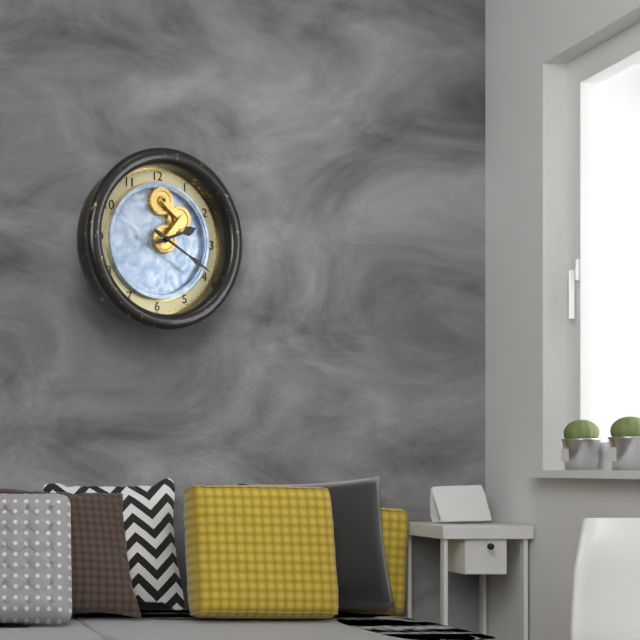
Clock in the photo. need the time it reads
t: 2:20
